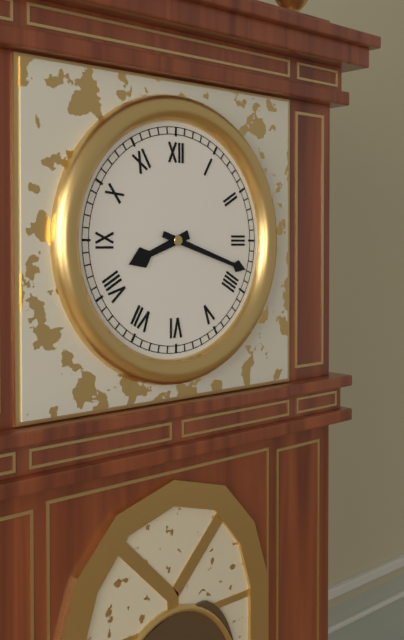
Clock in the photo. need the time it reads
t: 8:18
